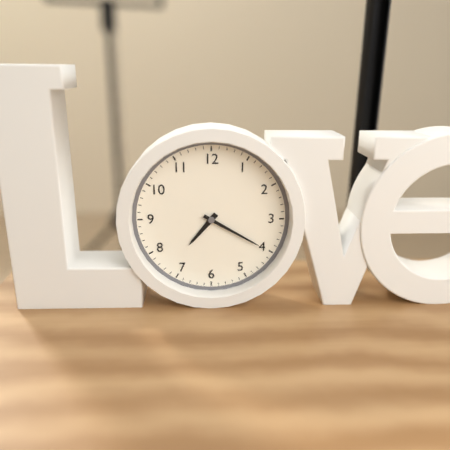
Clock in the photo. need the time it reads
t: 7:20
